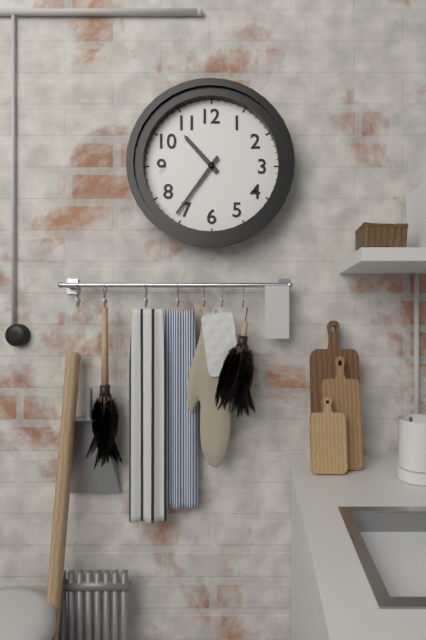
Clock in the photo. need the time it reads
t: 10:36
